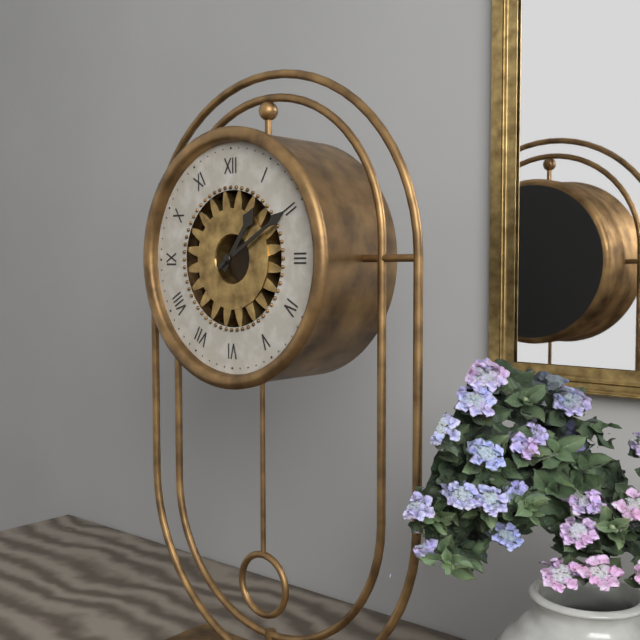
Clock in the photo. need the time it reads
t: 1:10
